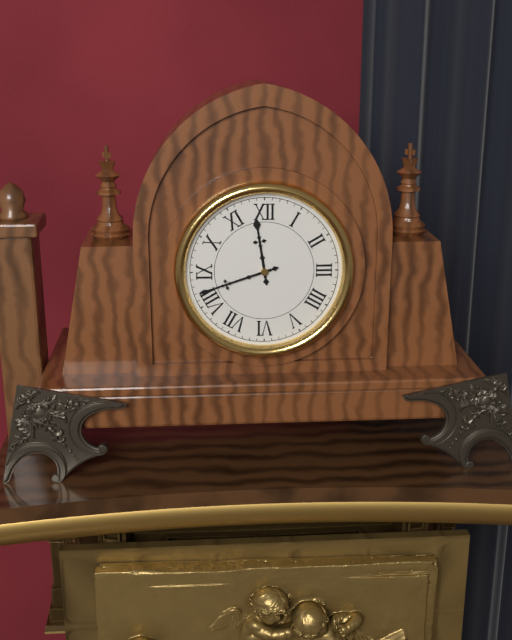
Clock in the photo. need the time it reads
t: 11:42
